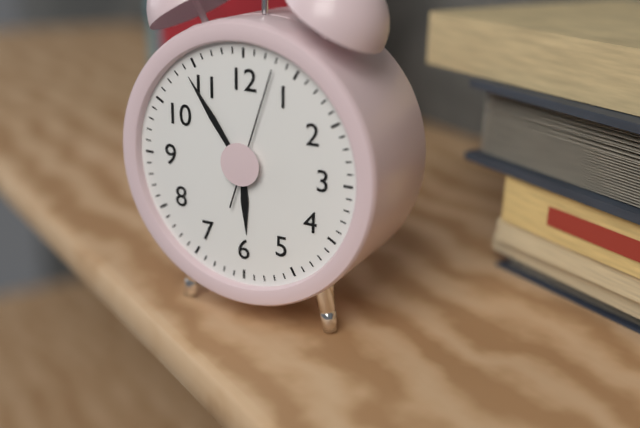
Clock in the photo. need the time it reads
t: 5:54:03
